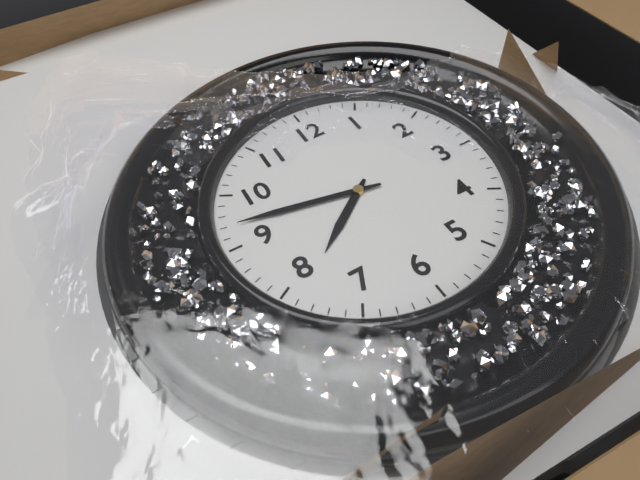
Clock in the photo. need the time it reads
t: 7:47
